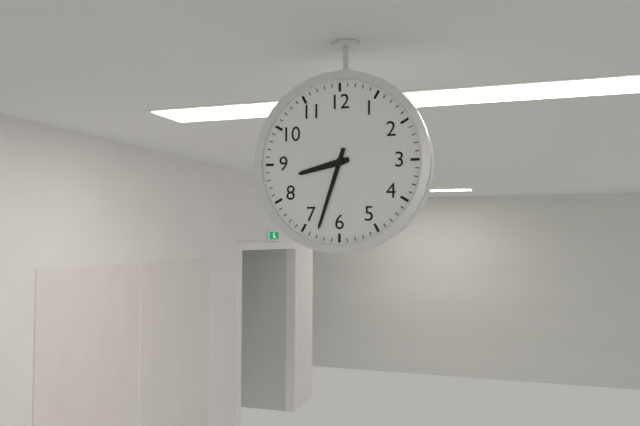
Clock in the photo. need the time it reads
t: 8:33
